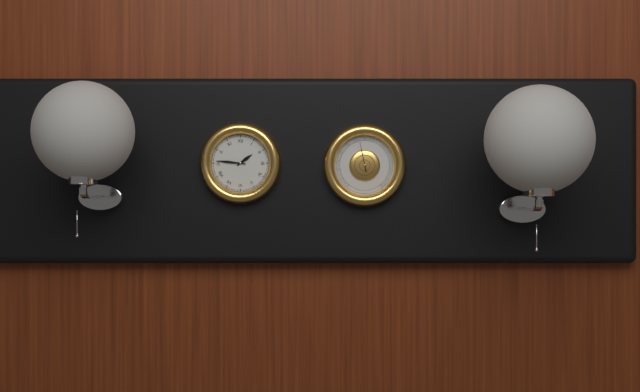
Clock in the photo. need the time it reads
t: 1:46
